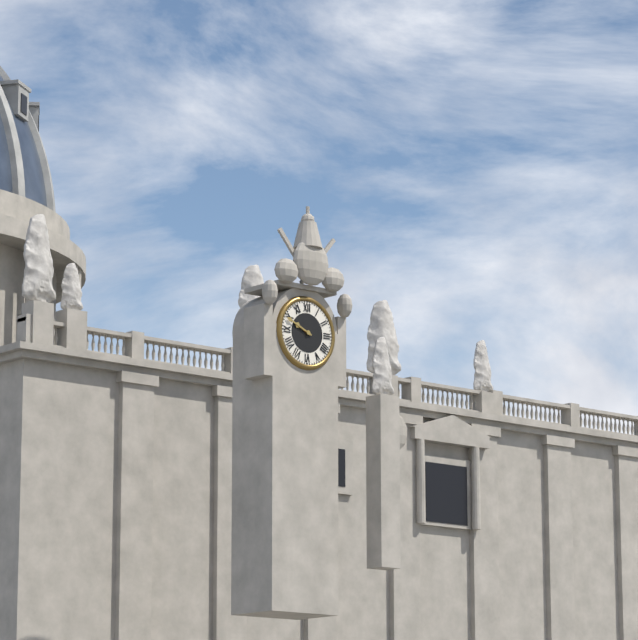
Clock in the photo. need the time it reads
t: 9:49
